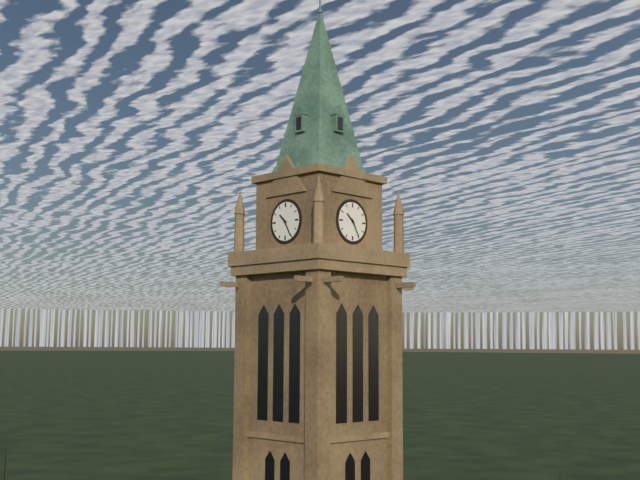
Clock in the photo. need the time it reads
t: 10:25
